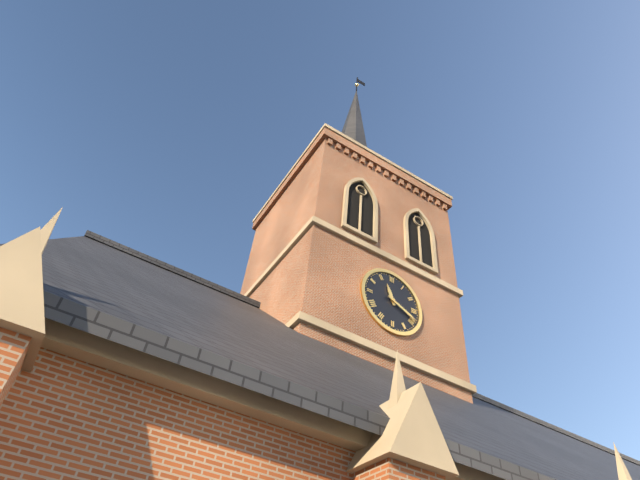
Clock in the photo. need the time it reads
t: 11:19
